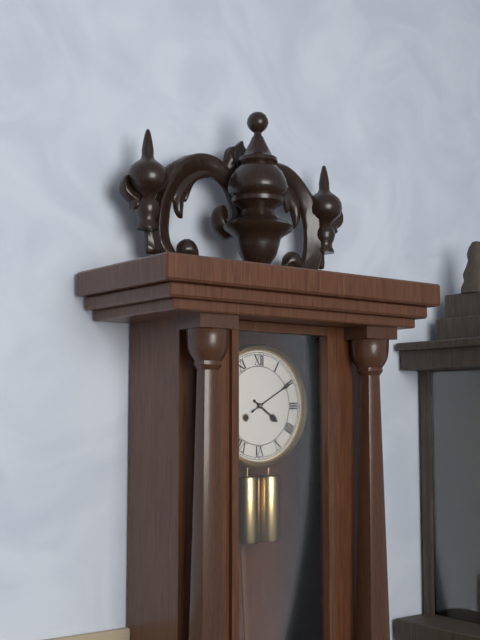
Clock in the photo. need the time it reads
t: 4:10
